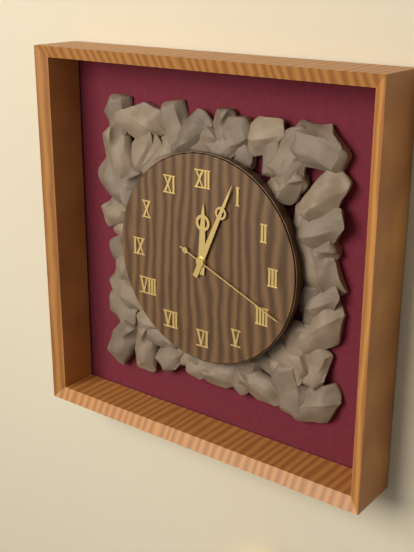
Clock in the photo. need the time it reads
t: 12:04:19
